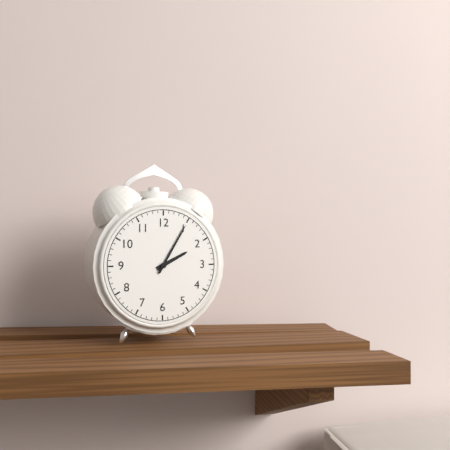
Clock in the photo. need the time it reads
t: 2:05
